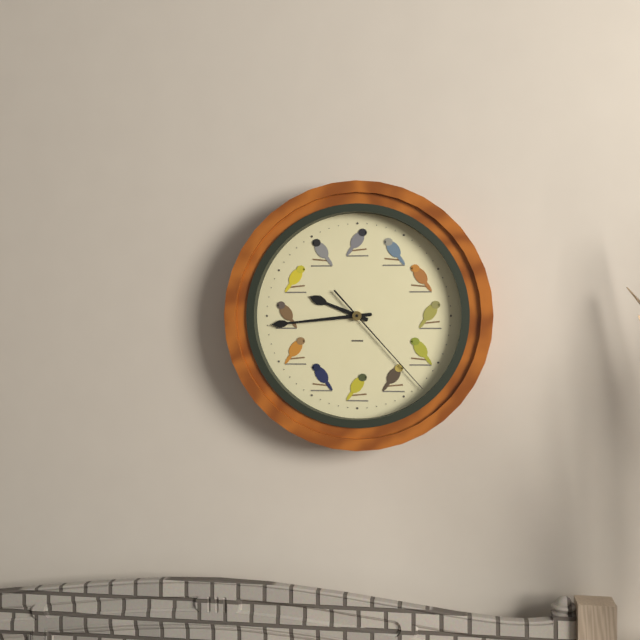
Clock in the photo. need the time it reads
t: 9:44:23
